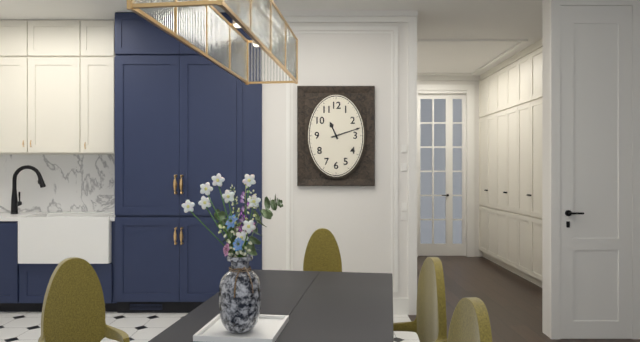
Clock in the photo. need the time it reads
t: 11:12
